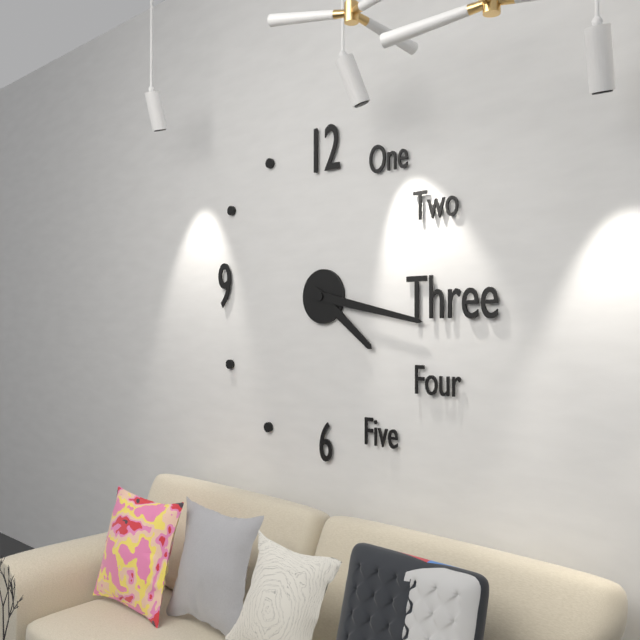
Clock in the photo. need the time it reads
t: 4:17
